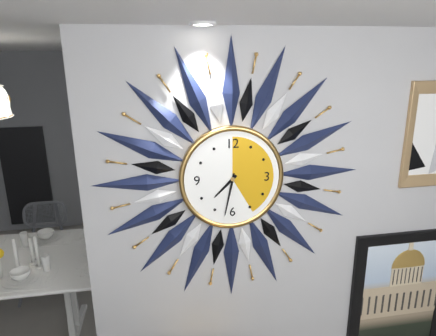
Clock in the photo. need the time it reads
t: 7:32
